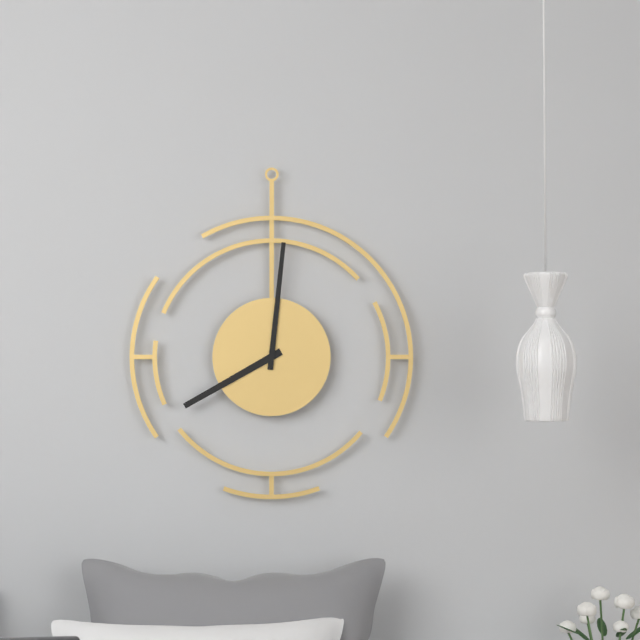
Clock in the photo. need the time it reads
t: 8:01
